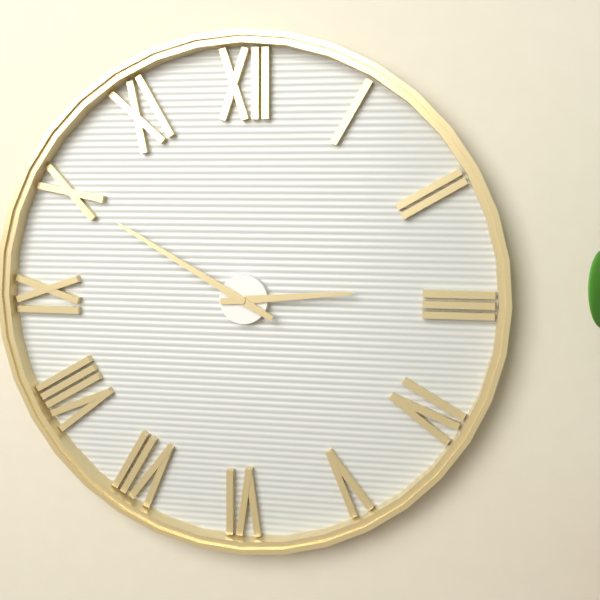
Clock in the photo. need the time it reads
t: 2:50
